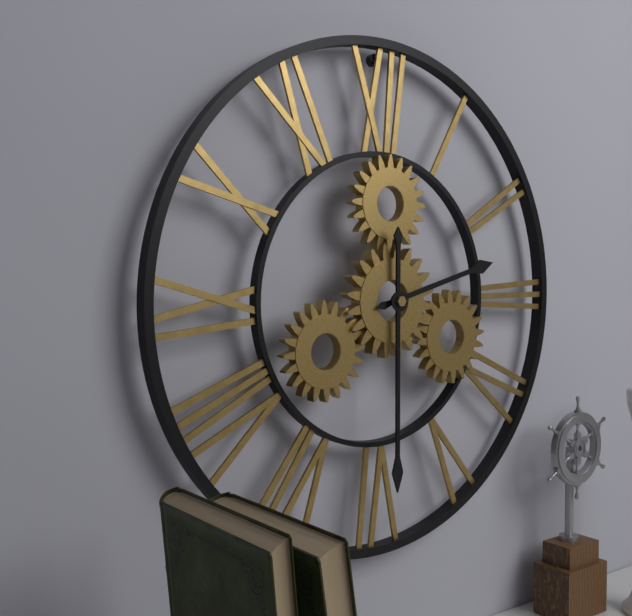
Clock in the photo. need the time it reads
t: 2:30
